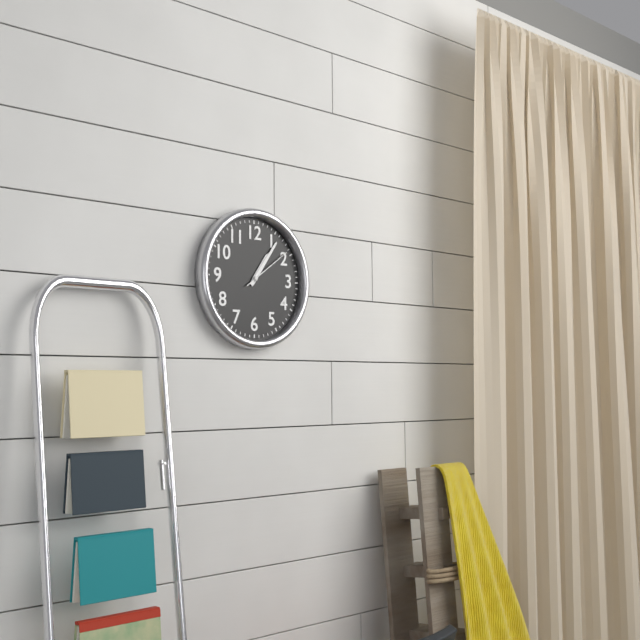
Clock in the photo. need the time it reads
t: 1:06:09
